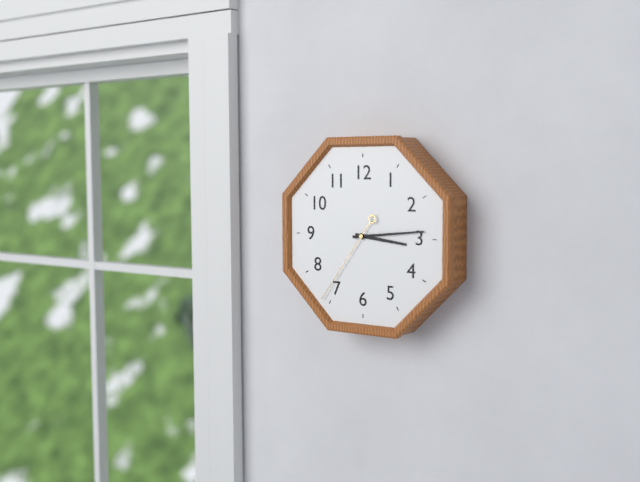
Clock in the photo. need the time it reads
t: 3:14:36
